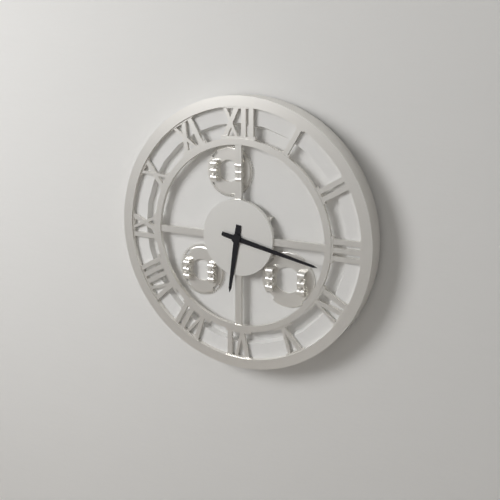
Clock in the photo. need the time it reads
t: 6:17
